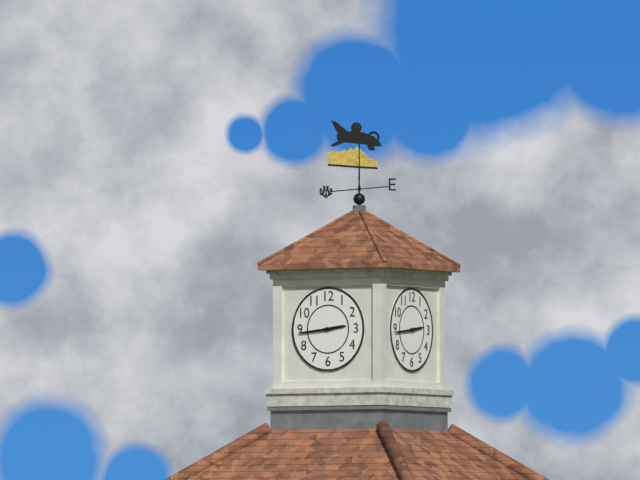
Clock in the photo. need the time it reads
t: 2:44
